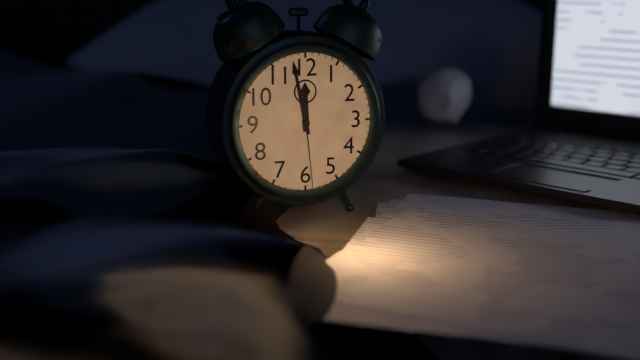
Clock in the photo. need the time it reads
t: 11:58:29
